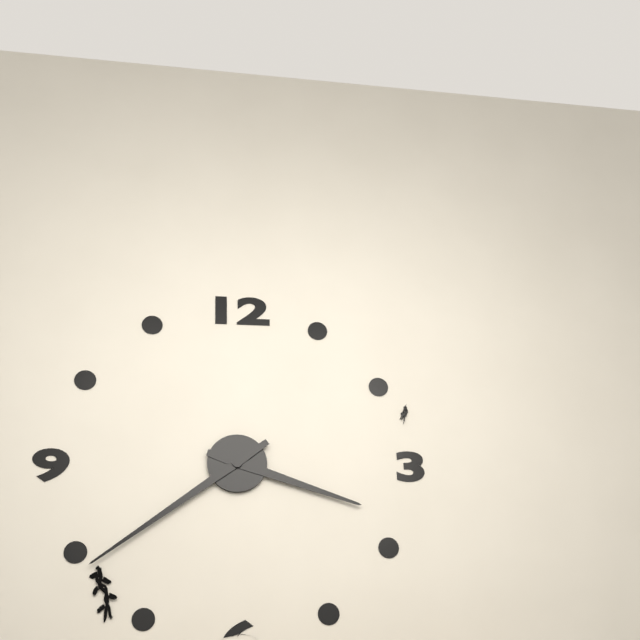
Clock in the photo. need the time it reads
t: 3:39
